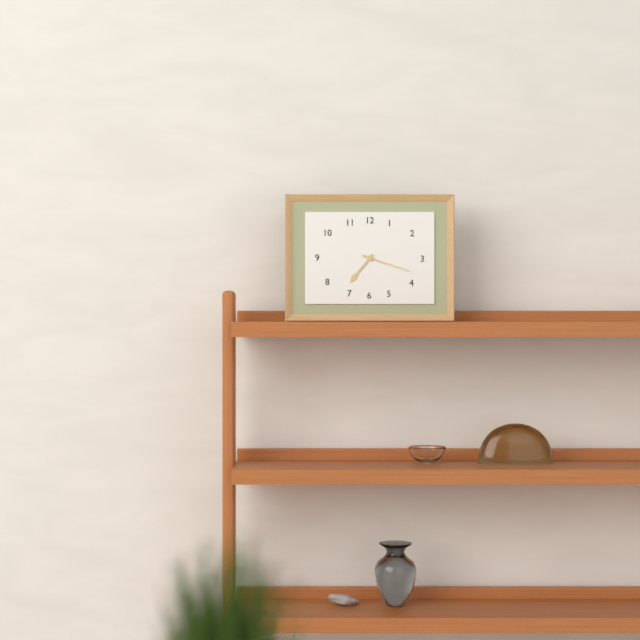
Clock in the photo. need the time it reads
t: 7:18
